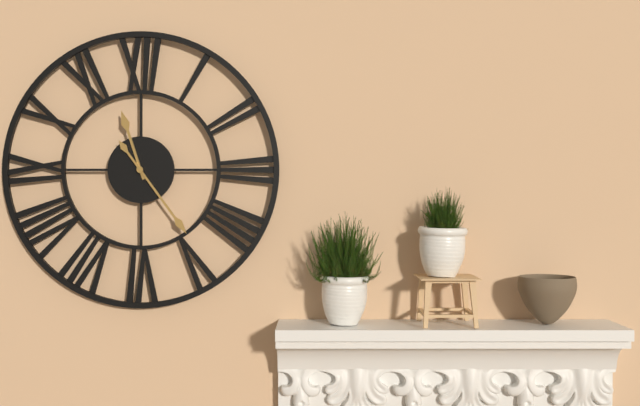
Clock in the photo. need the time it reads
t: 11:24
